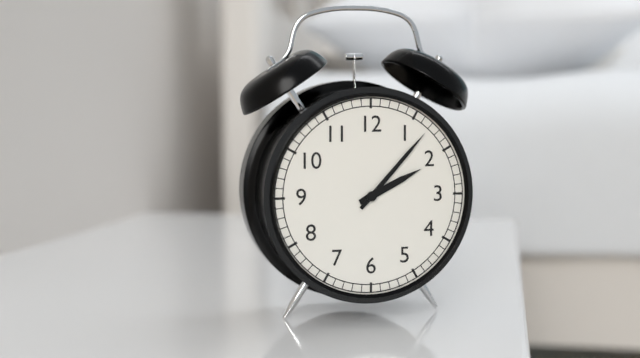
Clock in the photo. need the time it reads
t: 2:07
